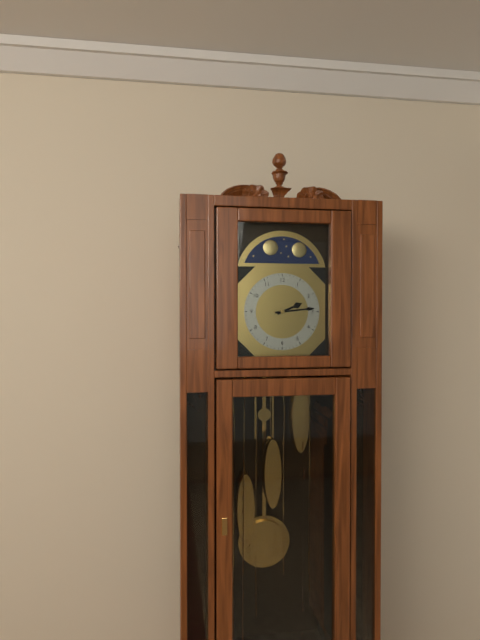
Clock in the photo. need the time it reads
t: 2:14
